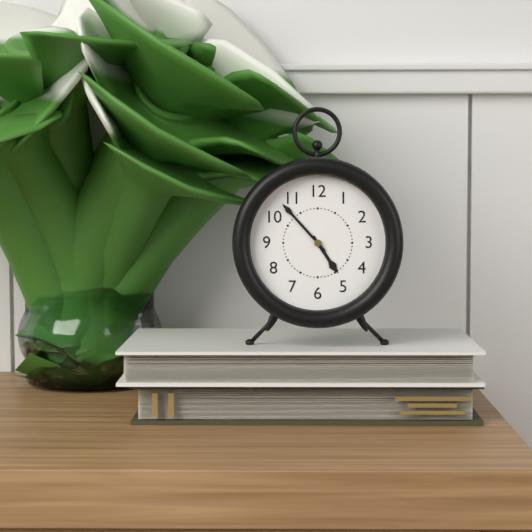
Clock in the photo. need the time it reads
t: 4:53
